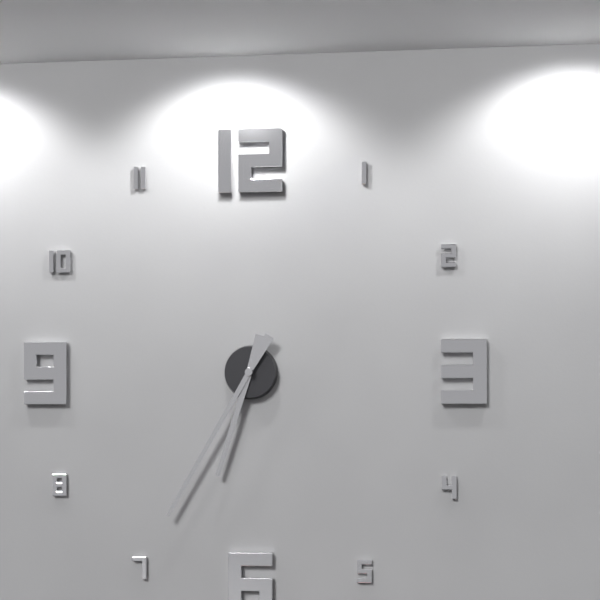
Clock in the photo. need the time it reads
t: 6:35
